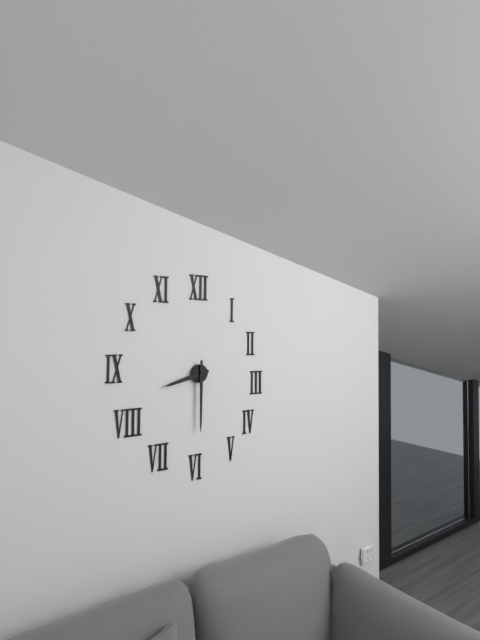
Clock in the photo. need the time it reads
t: 8:30
